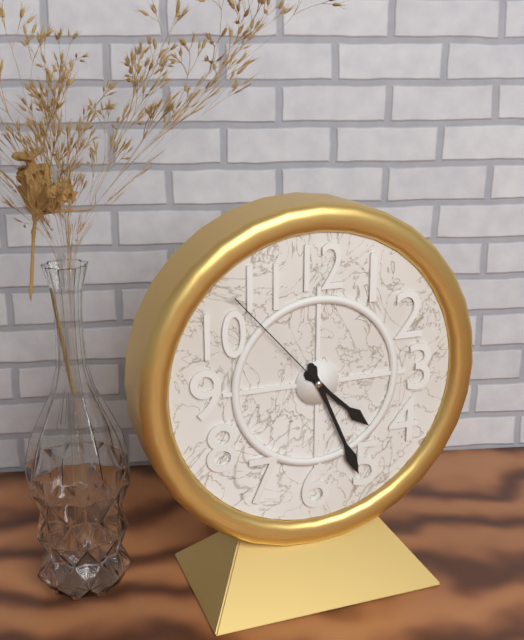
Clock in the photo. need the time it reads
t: 4:26:53
